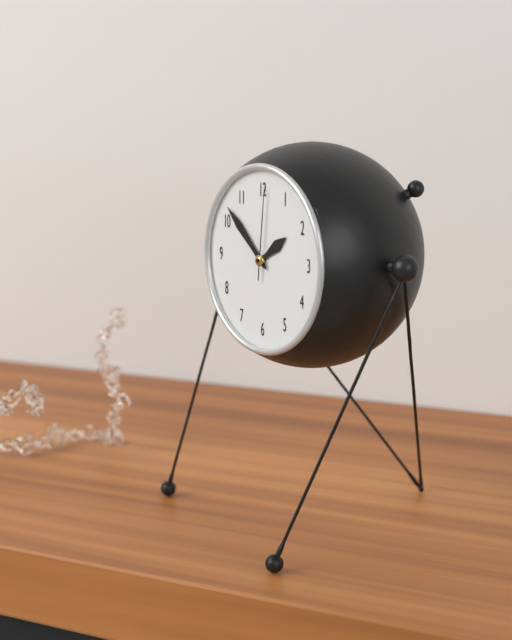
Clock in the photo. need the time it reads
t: 1:52:01
